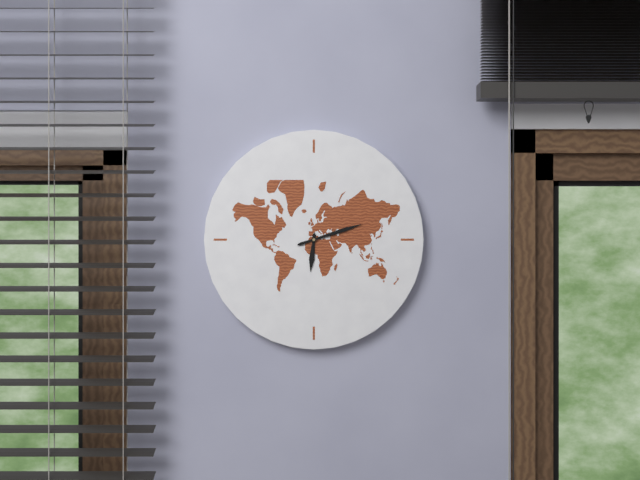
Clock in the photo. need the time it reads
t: 6:12
